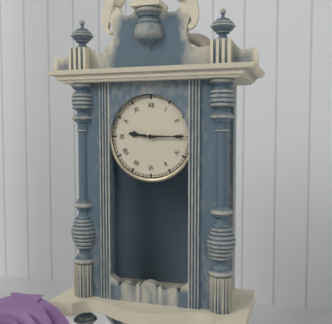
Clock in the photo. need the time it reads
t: 9:15
